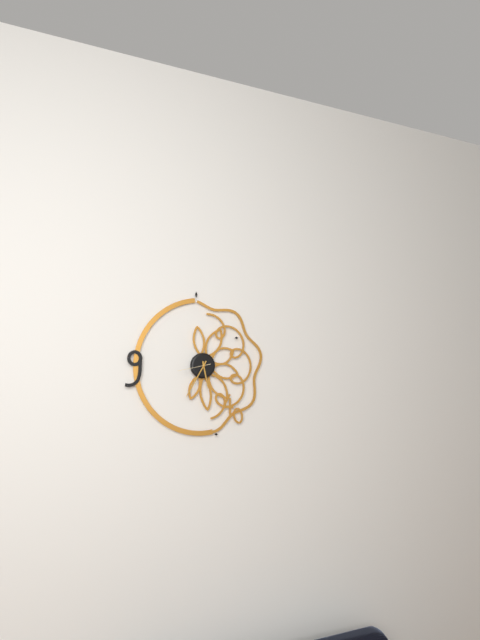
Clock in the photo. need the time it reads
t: 5:35
